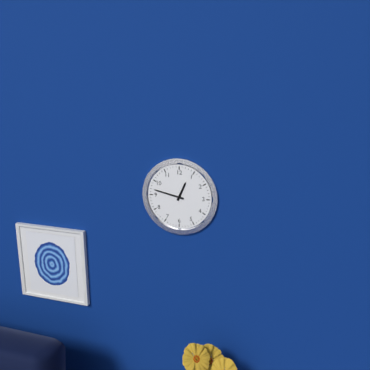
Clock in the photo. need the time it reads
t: 12:47
